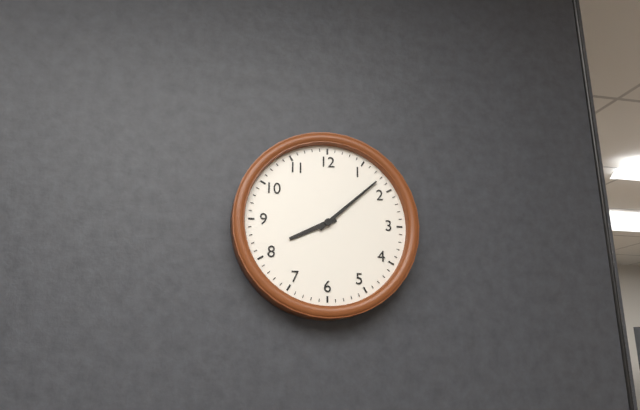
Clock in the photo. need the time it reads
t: 8:08
